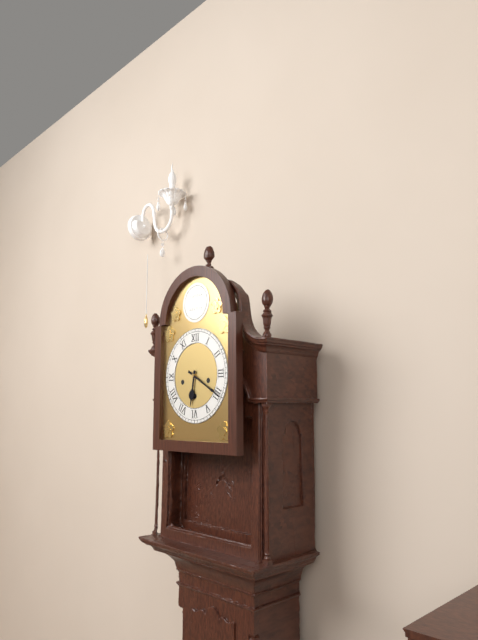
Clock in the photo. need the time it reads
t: 6:20
